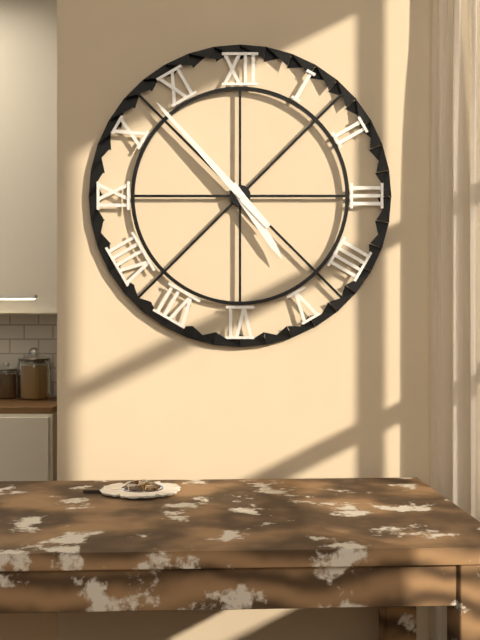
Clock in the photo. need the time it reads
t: 4:53
